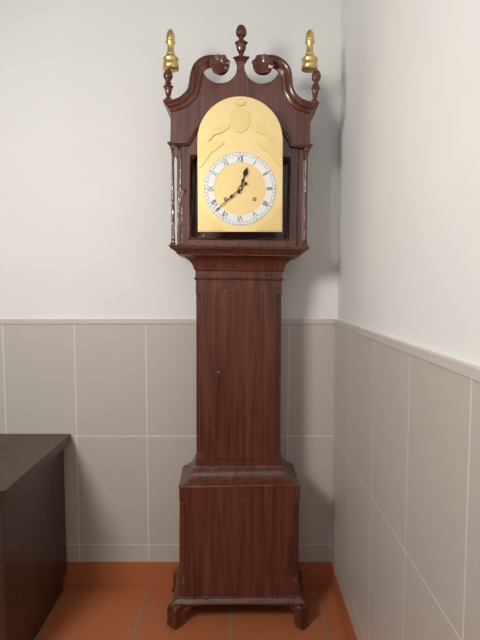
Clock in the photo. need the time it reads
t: 12:38
